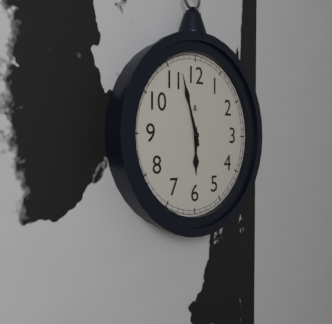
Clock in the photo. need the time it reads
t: 5:57
